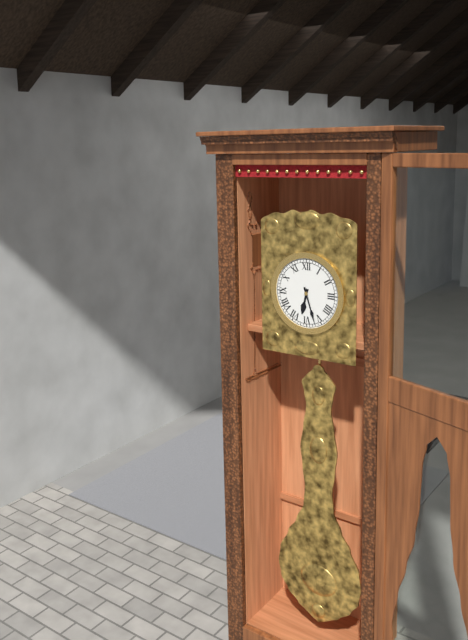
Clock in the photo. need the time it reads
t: 6:27
